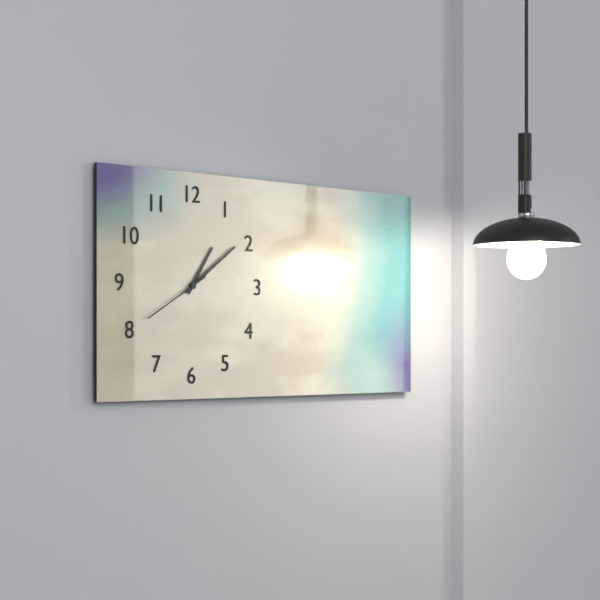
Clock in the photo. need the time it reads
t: 1:09:40
